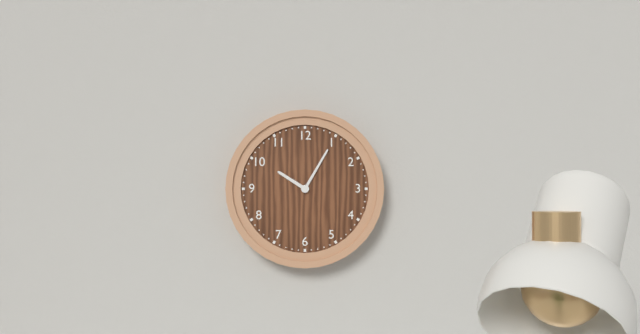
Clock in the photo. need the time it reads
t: 10:05
